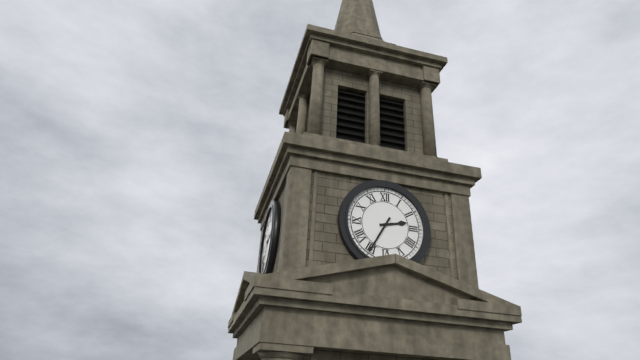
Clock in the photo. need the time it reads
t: 2:35
